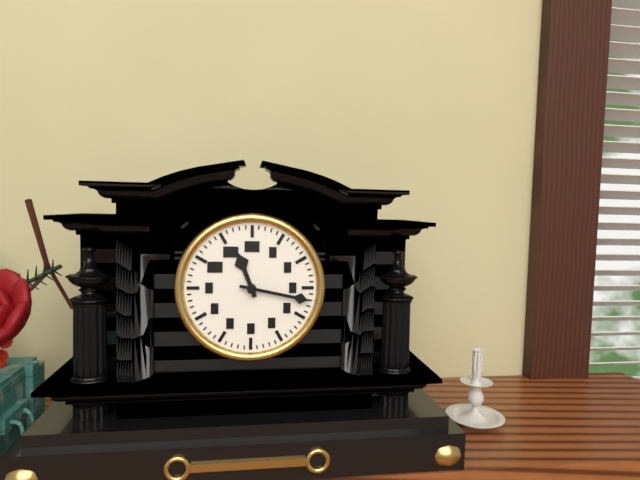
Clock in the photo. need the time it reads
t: 11:17
